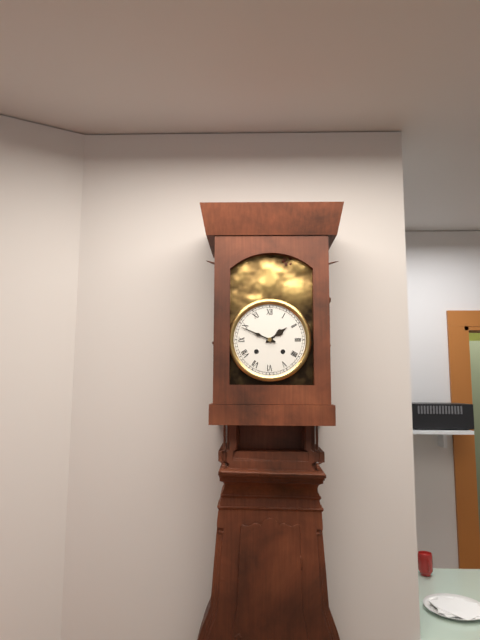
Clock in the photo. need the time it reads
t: 1:49
